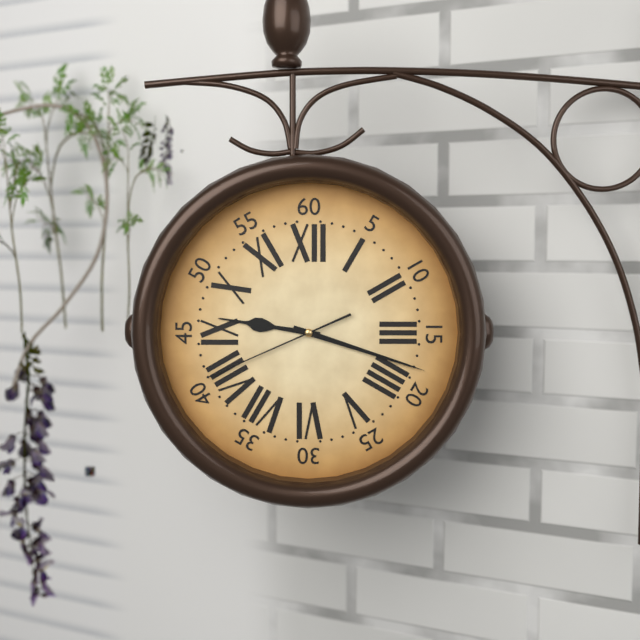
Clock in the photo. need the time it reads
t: 9:18:41
